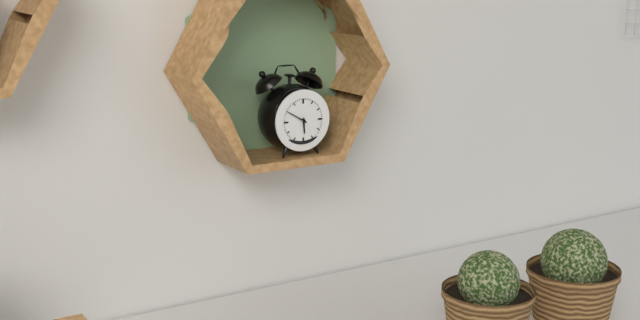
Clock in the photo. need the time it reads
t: 5:50
